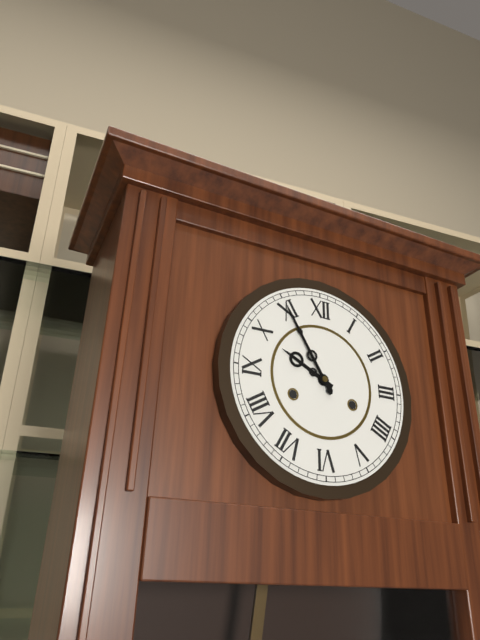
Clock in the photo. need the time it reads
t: 9:55
